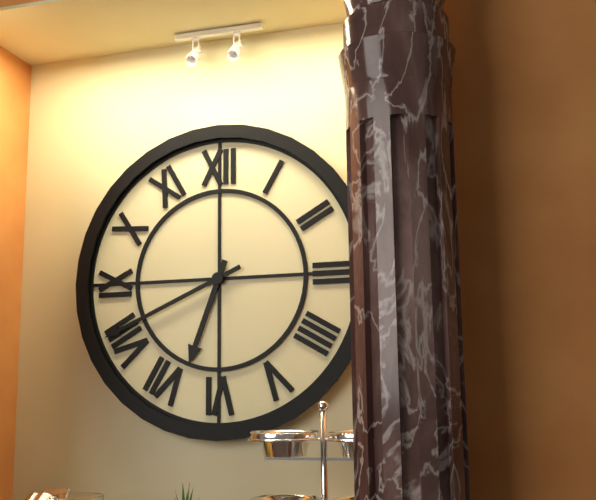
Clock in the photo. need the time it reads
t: 6:41
